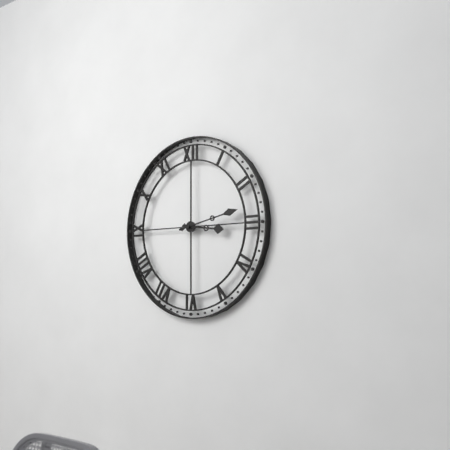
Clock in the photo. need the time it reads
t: 3:13
